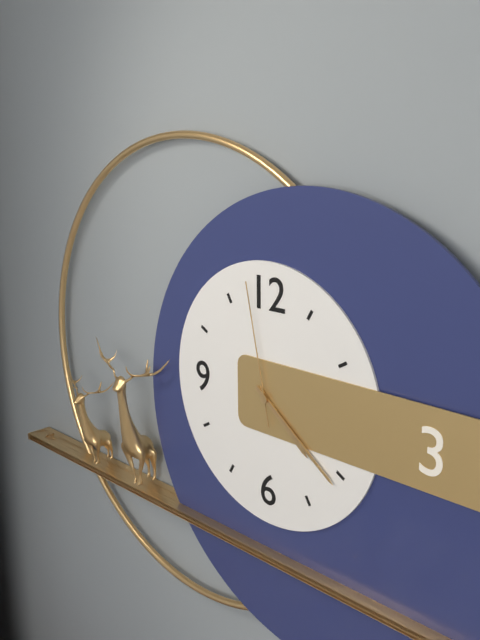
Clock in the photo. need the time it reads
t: 4:21:58
